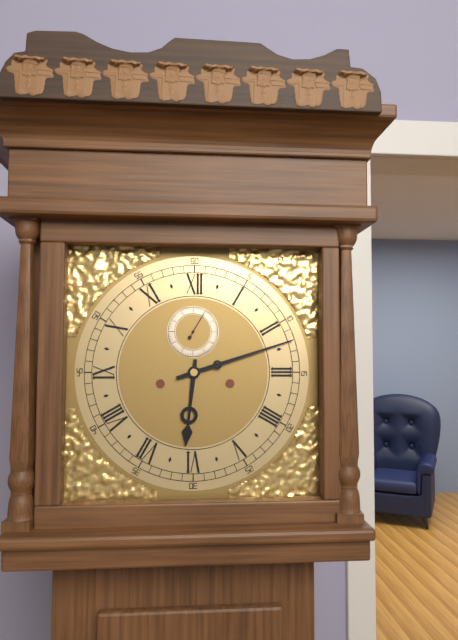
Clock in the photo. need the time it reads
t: 6:12
